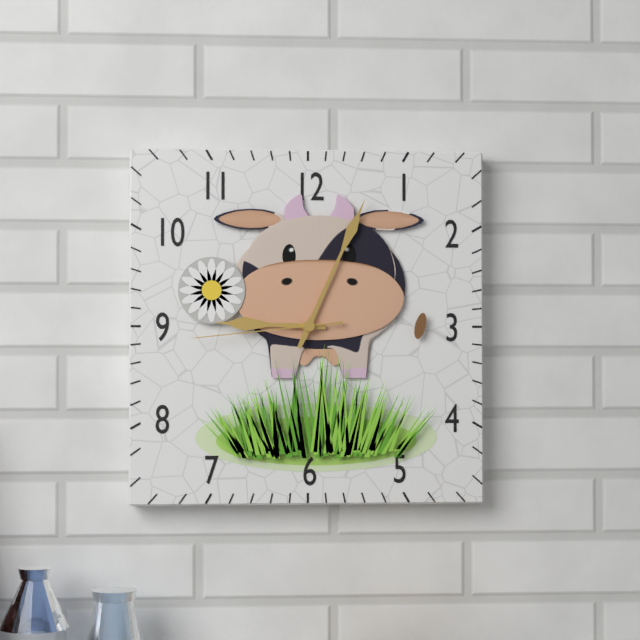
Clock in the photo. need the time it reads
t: 9:04:44
